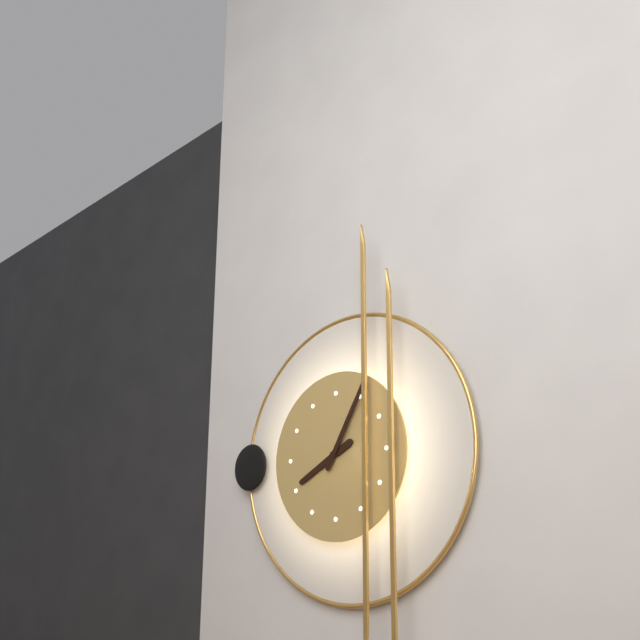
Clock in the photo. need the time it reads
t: 8:05
